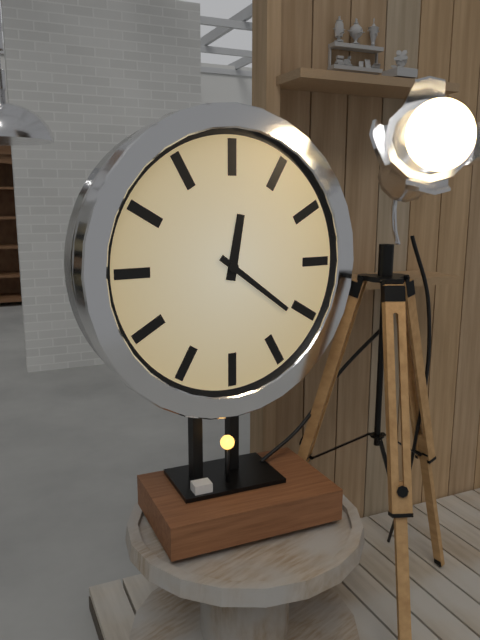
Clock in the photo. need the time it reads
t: 12:21
